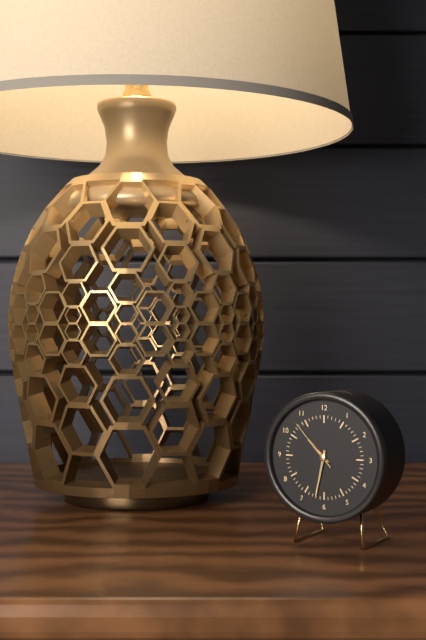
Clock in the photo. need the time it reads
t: 10:32:53
